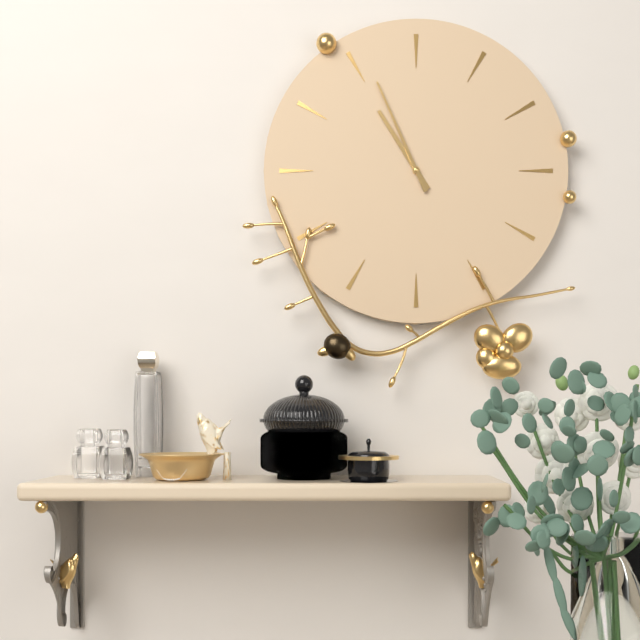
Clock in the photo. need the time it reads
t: 10:56
